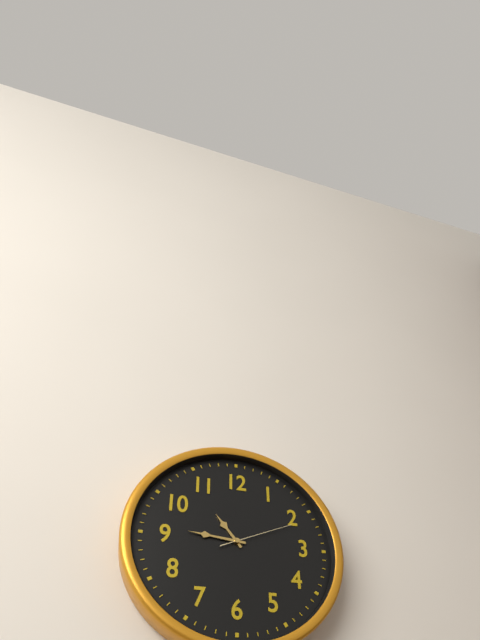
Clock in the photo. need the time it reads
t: 10:46:11
